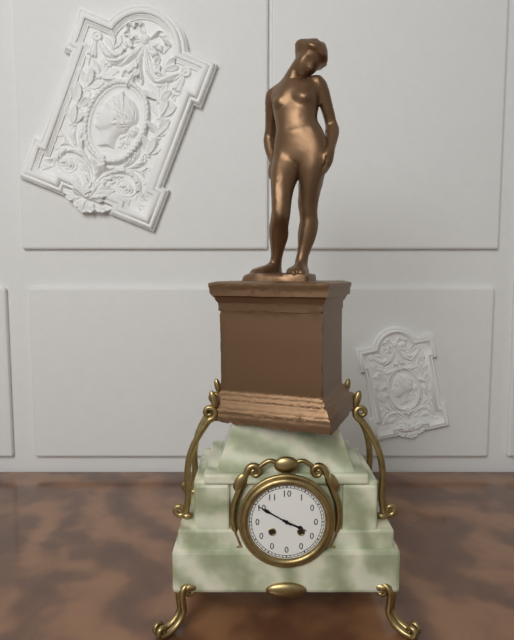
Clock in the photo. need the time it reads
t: 3:50
